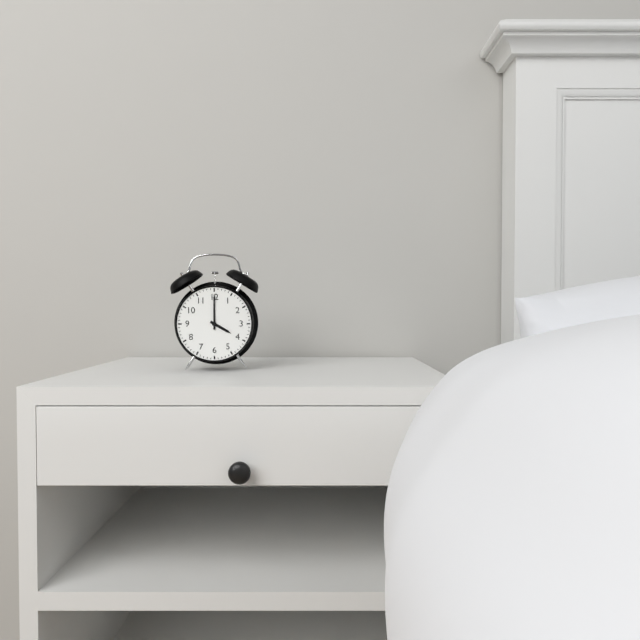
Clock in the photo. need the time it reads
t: 4:00
